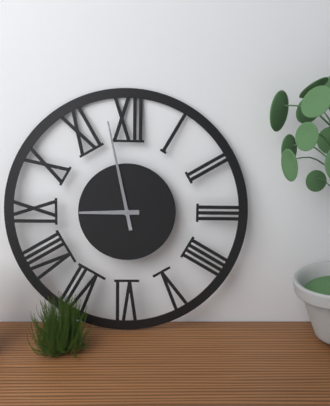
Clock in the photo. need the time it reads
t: 8:58
